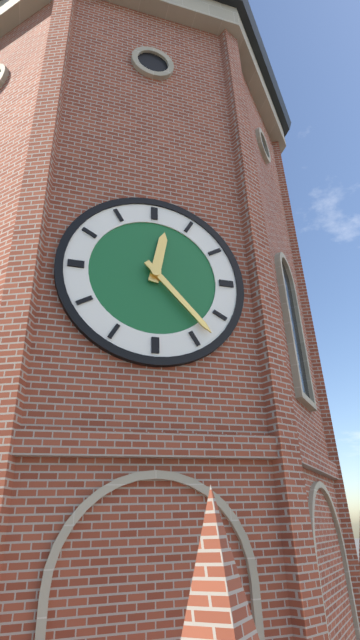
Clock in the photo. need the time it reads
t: 12:23
